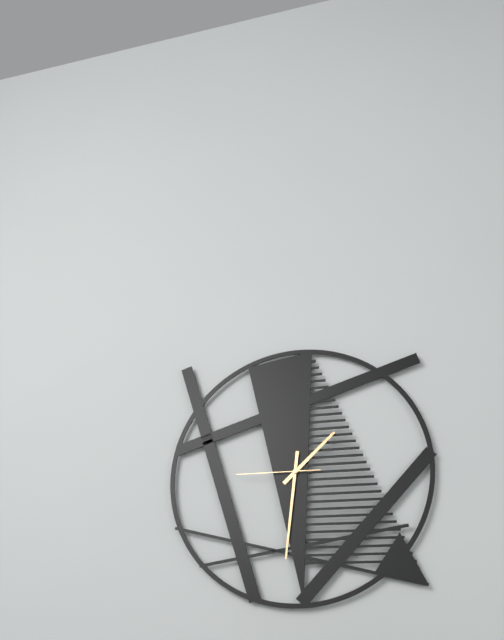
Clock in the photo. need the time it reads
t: 1:31:45
